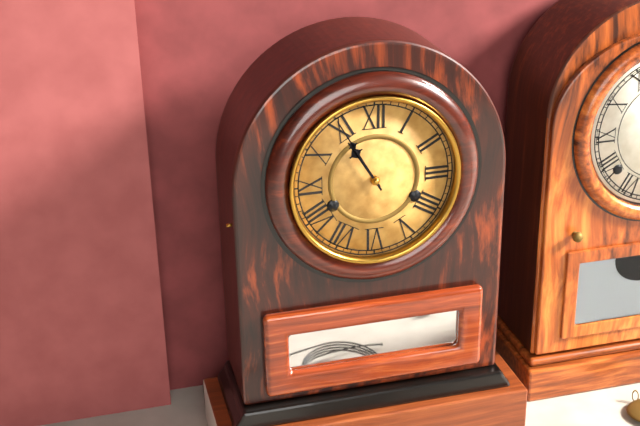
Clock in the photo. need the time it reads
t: 10:55
